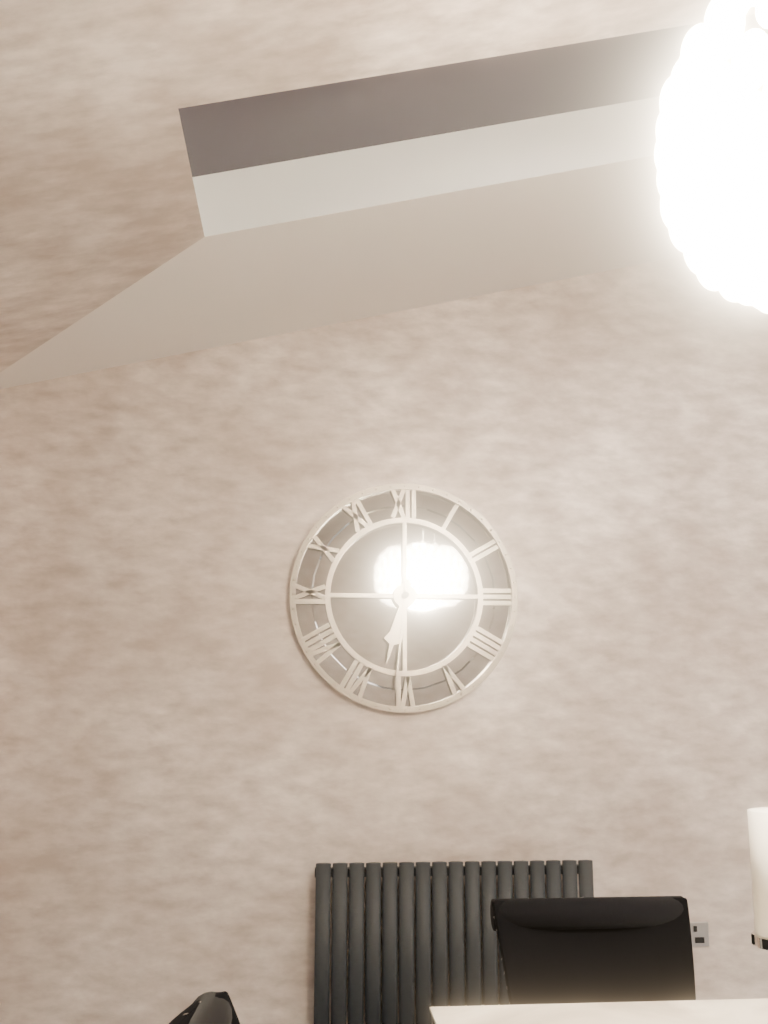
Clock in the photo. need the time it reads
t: 6:31
